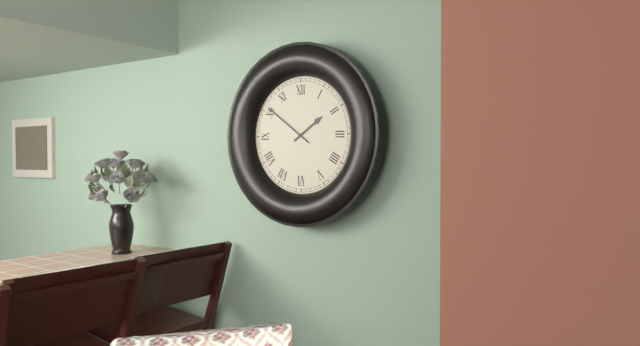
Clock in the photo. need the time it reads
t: 1:51
